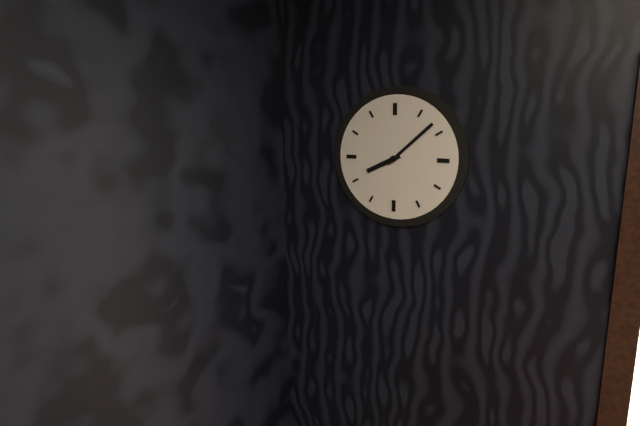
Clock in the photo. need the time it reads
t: 8:08
